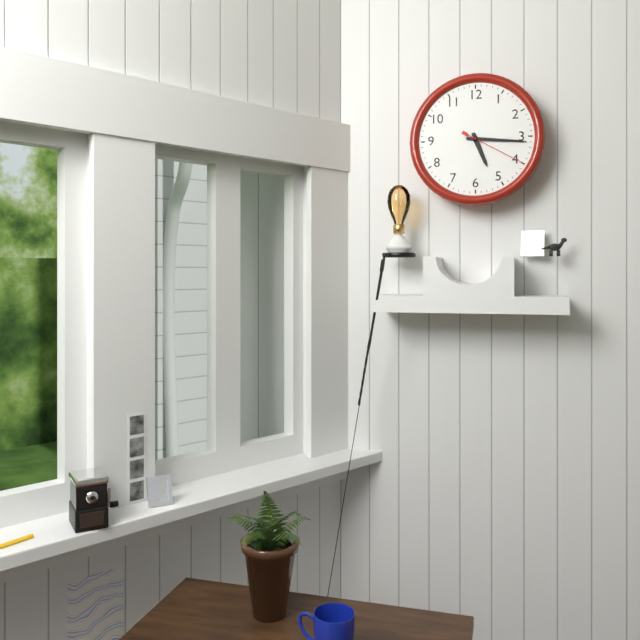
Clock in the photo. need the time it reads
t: 5:16:20
